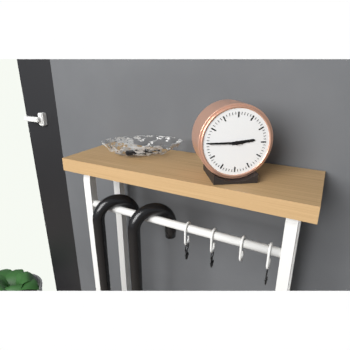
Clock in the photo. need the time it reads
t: 2:45
